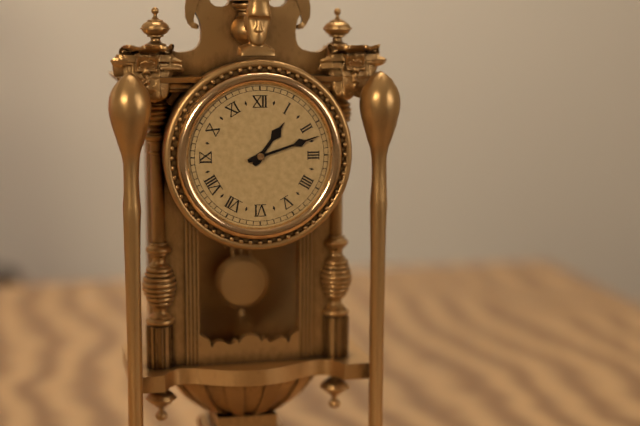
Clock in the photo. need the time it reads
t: 1:12
